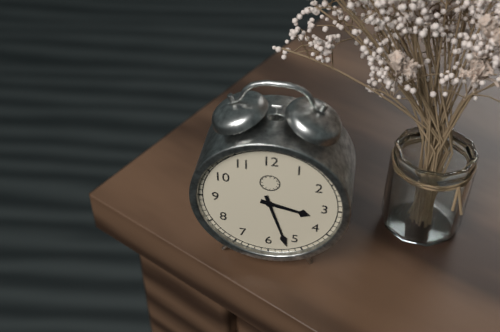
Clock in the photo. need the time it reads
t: 3:27
